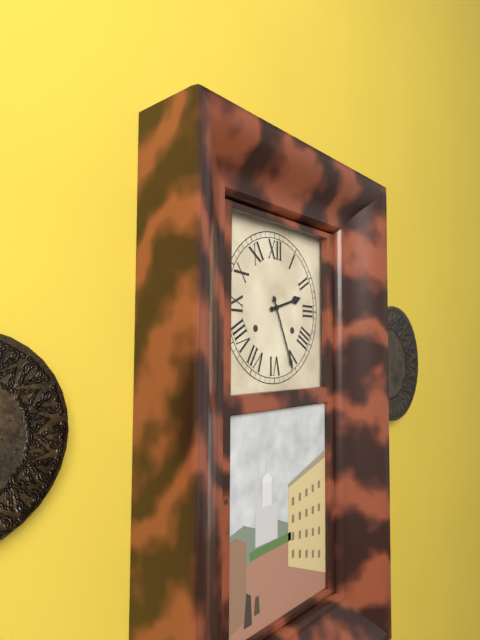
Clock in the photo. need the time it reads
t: 2:26
